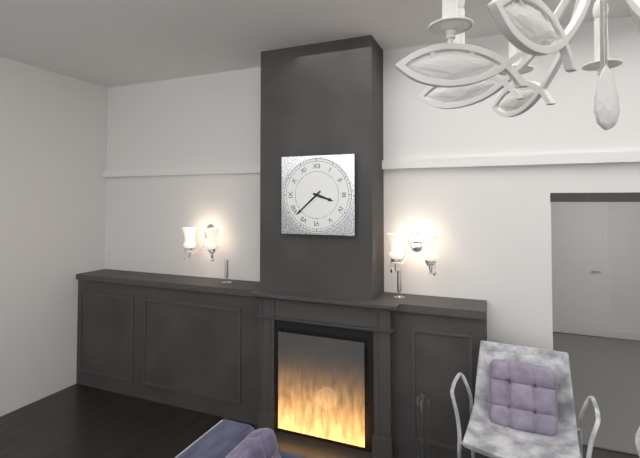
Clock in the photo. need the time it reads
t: 3:38
